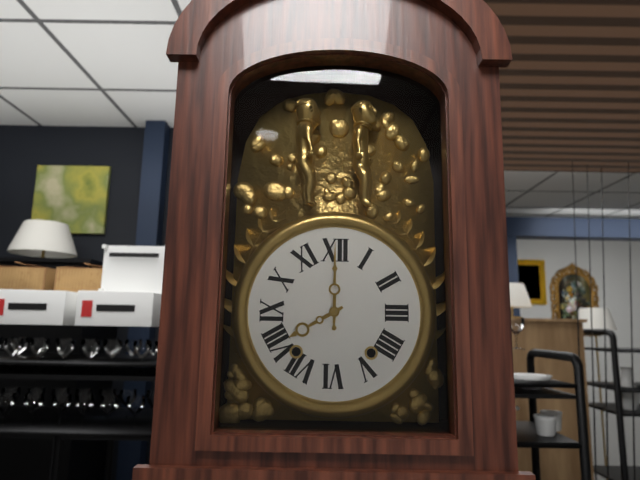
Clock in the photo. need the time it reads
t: 8:00
